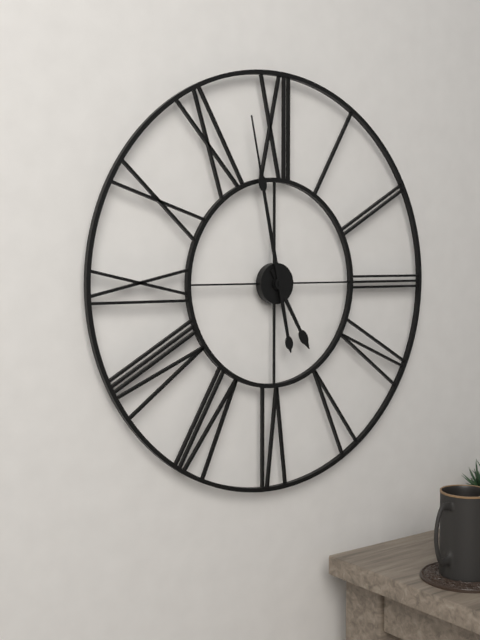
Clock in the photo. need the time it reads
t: 4:58
